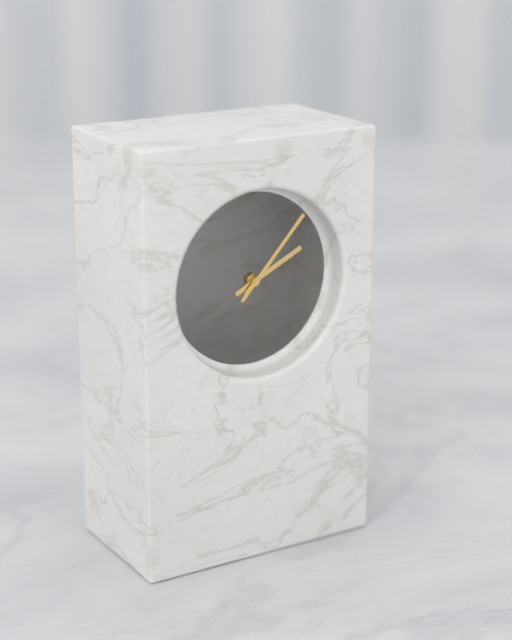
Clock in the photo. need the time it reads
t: 2:07
